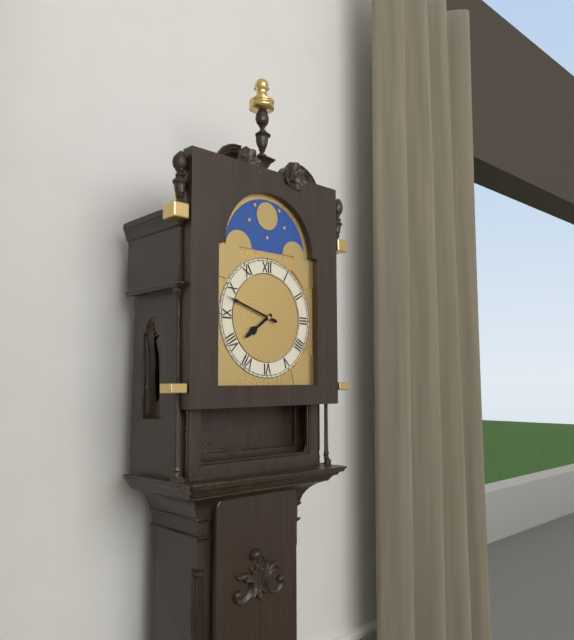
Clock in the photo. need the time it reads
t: 7:48
